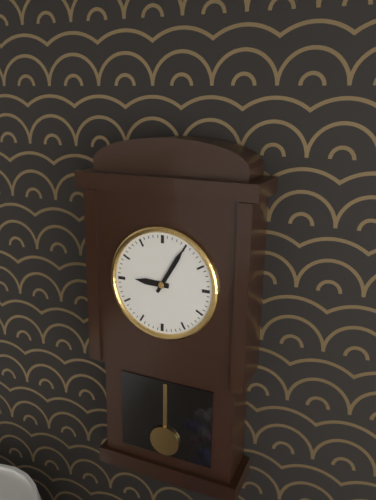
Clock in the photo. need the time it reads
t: 9:05
